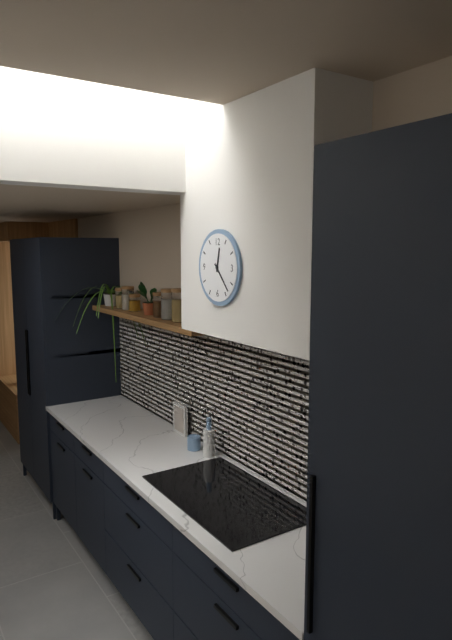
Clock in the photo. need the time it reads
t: 12:23
